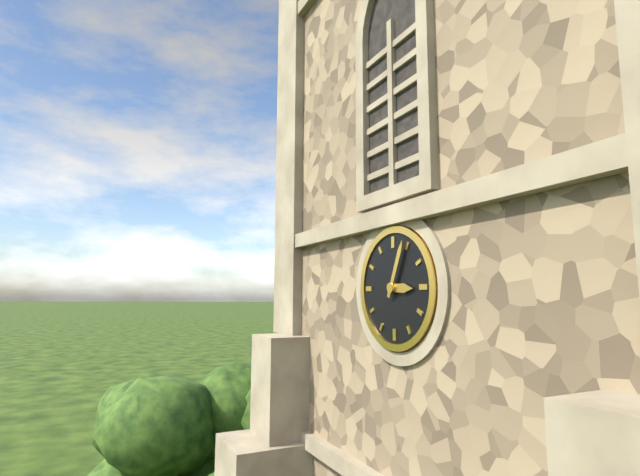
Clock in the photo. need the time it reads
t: 3:04
